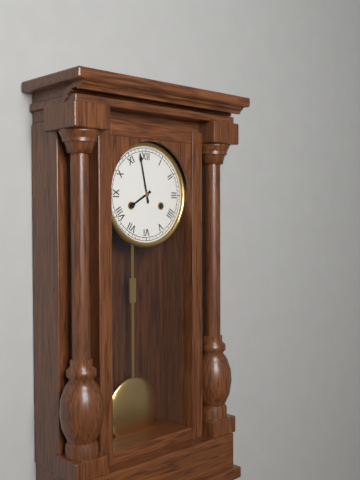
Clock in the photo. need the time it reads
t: 7:58
